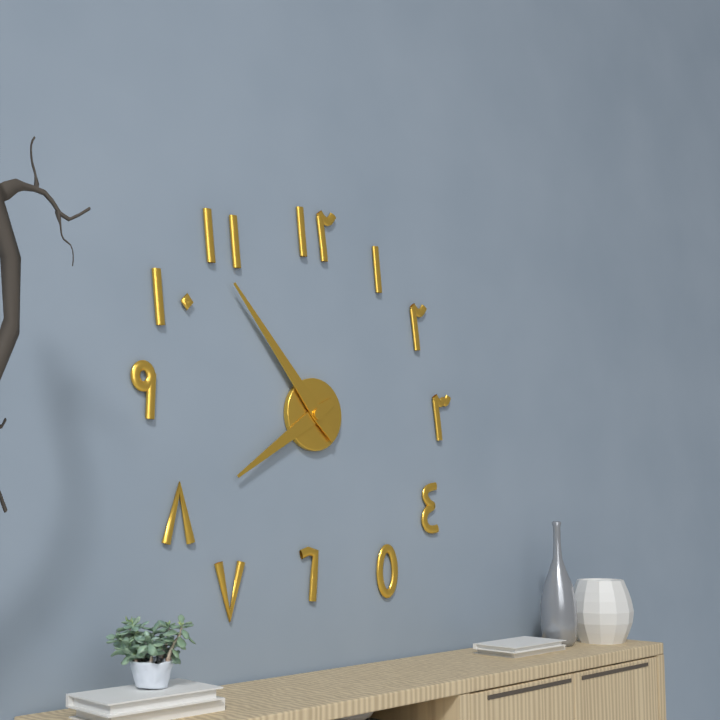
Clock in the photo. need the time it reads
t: 7:53
